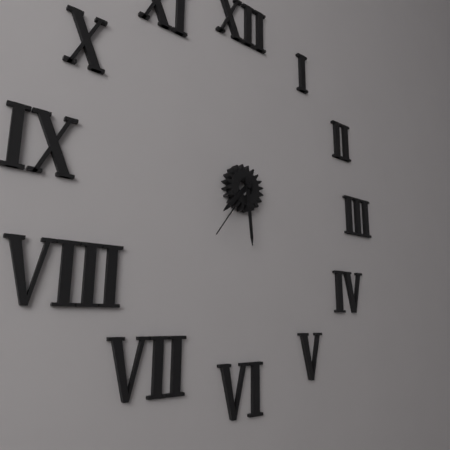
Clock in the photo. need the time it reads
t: 7:29:36
